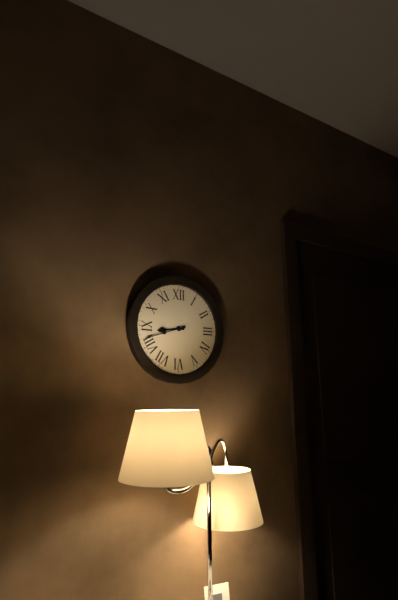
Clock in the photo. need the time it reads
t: 8:42
